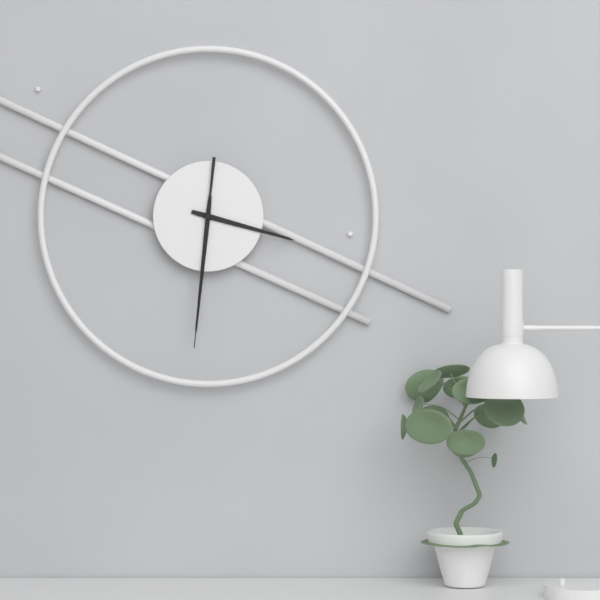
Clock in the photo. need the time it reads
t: 3:31:31
